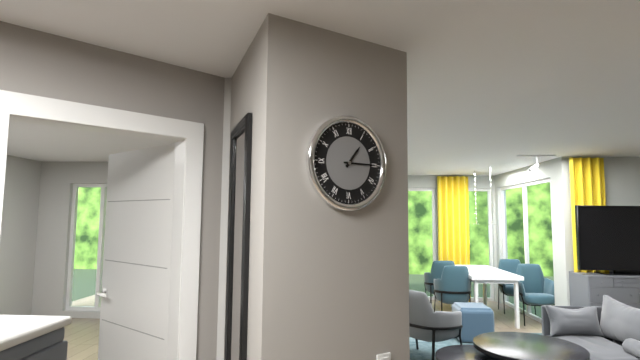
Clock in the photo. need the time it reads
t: 1:15
